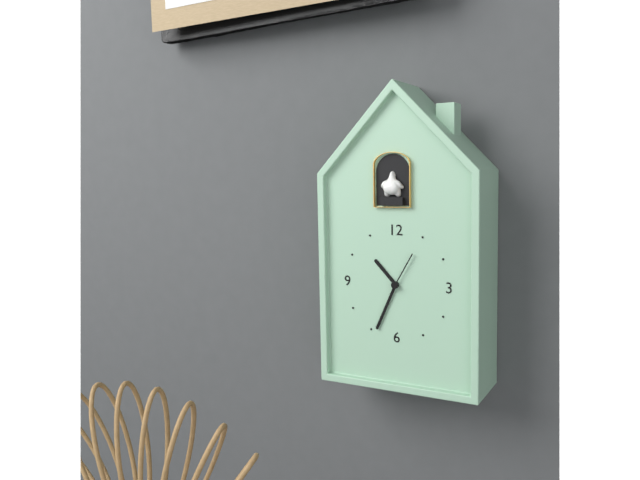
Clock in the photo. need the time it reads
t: 10:34
